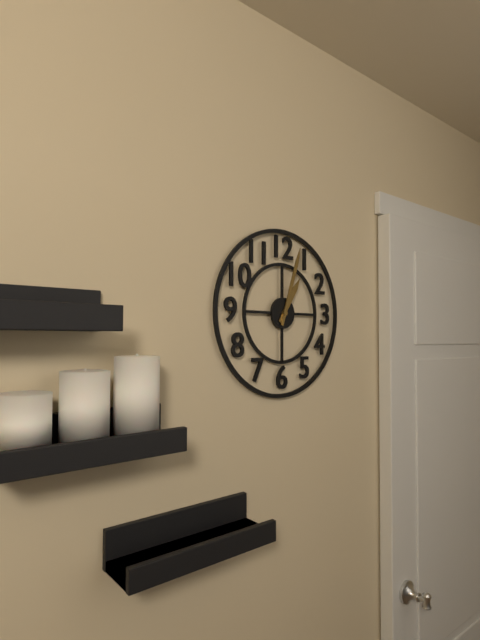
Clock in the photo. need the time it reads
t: 1:03
